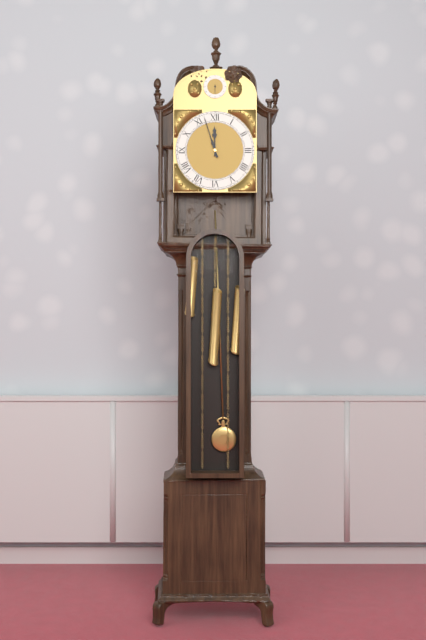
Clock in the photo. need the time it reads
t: 11:57
